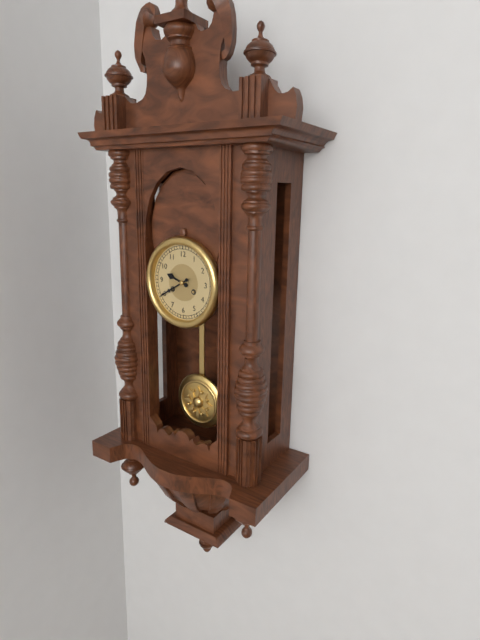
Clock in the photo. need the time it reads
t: 9:40
